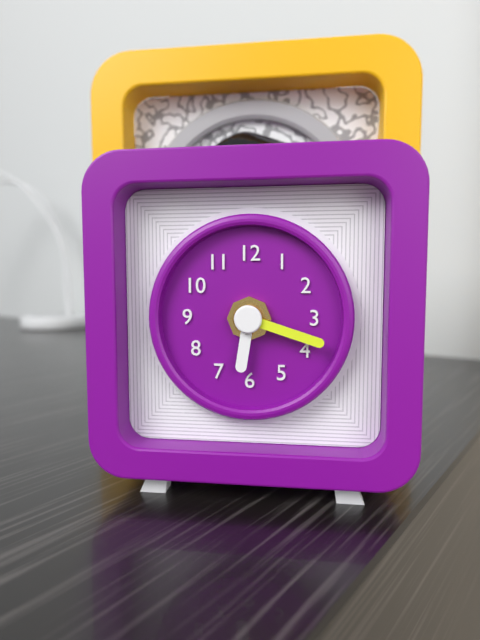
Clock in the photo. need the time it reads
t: 6:18
